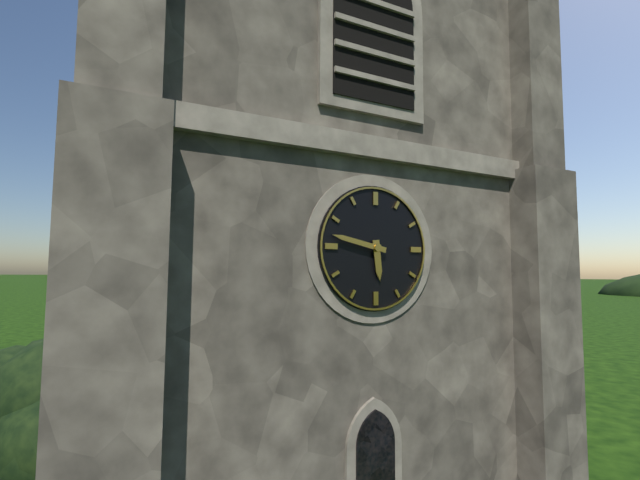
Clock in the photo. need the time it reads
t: 5:47
